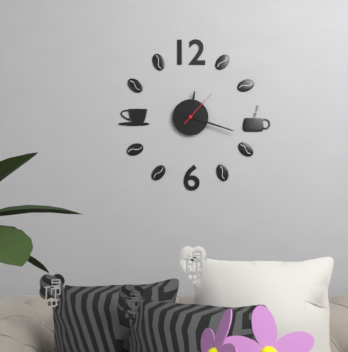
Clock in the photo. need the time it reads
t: 12:18
